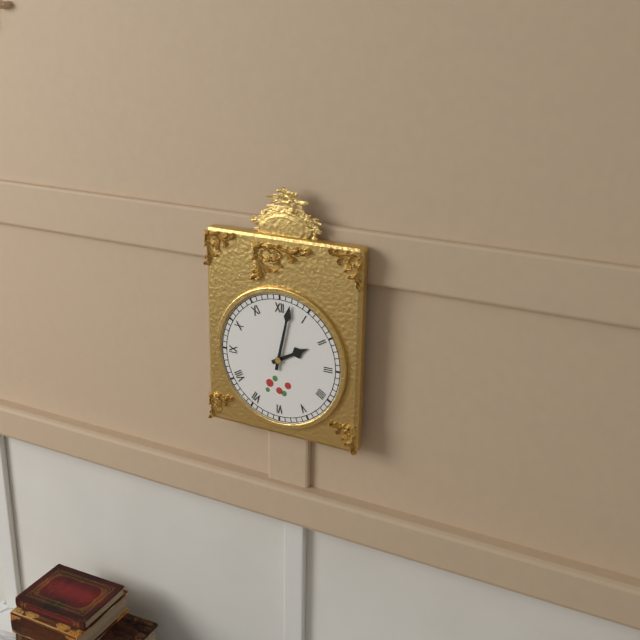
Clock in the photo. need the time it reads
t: 2:02
